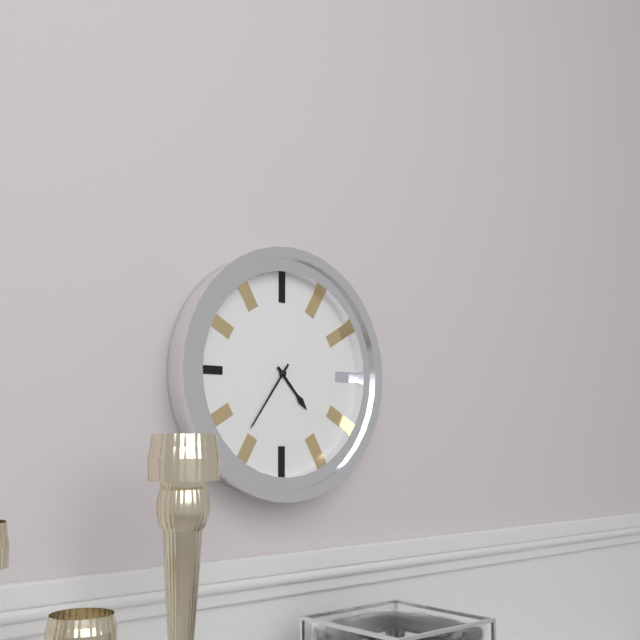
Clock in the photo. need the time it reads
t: 4:36
